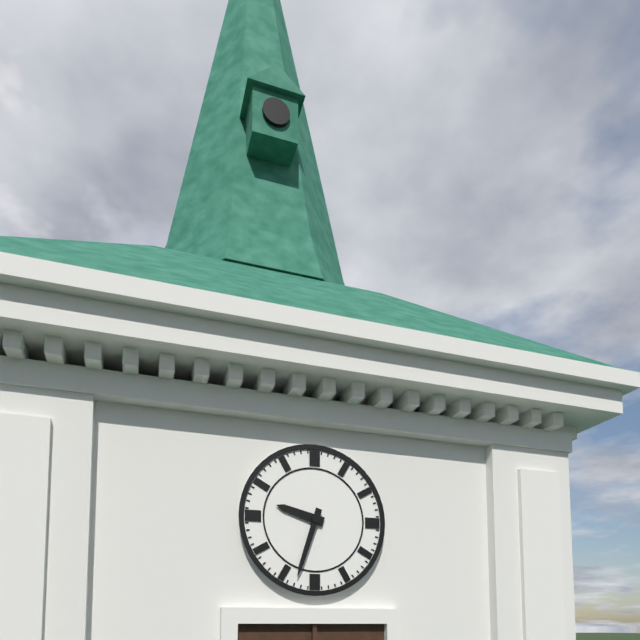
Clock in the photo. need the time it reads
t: 9:33
